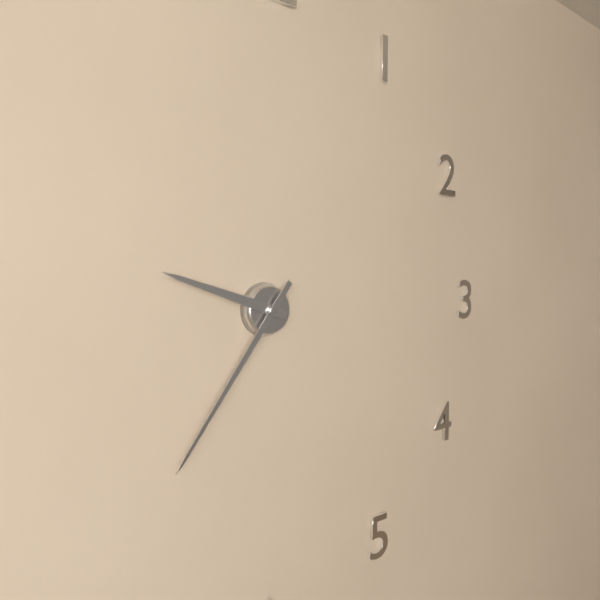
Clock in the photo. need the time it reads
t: 9:36
